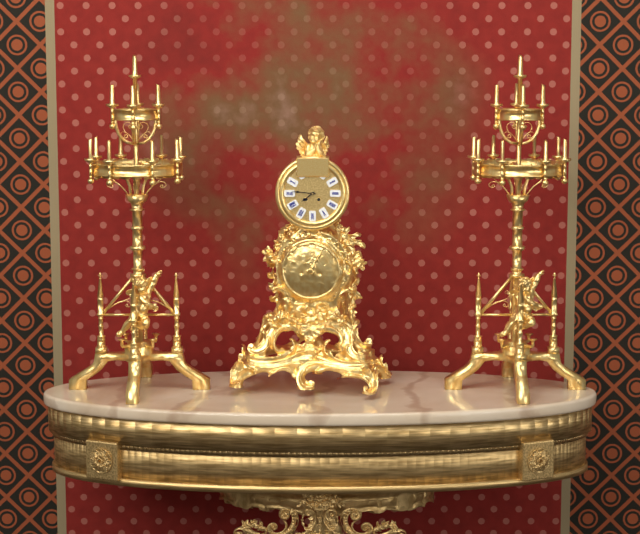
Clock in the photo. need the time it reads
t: 7:46
